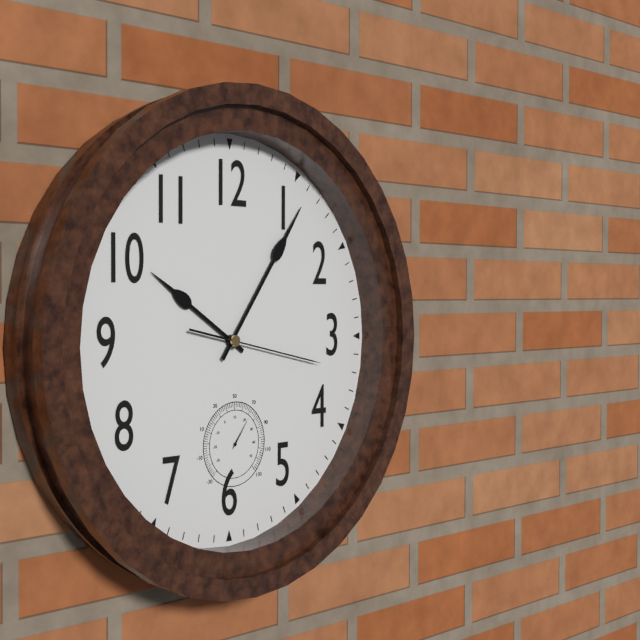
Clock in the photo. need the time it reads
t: 10:06:17
